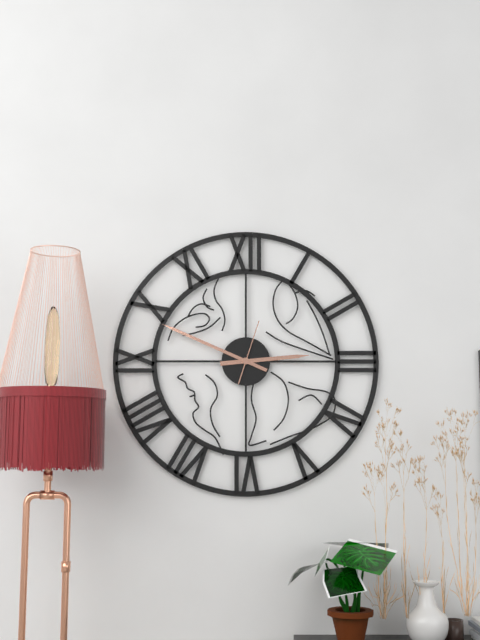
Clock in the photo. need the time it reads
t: 2:49:03
